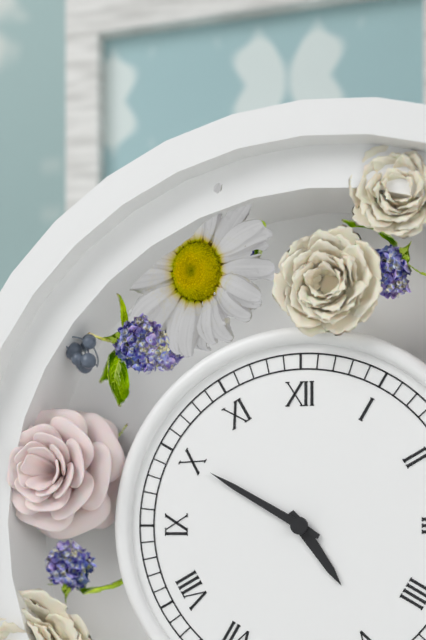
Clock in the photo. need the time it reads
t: 4:50
